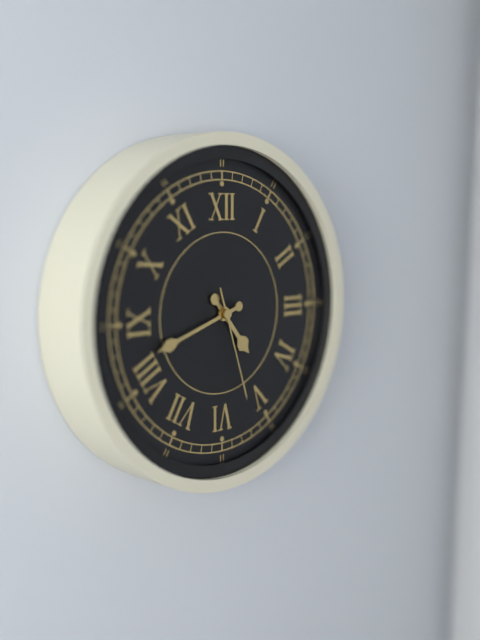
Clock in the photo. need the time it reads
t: 4:42:27
